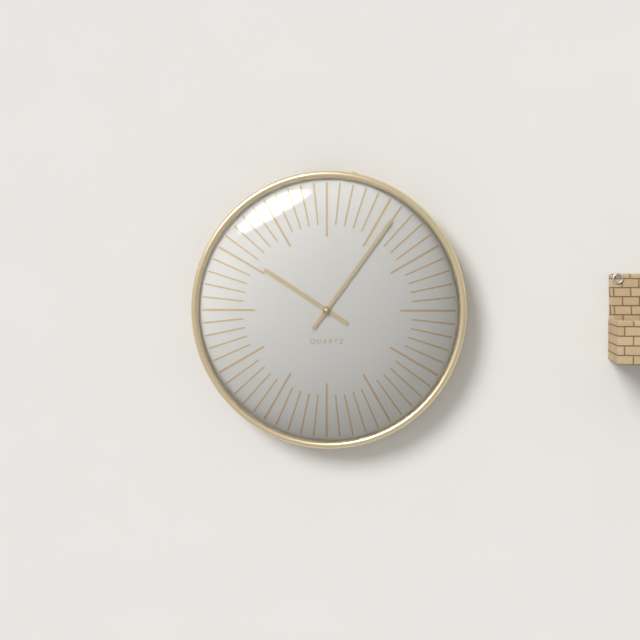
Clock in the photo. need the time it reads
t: 10:06
